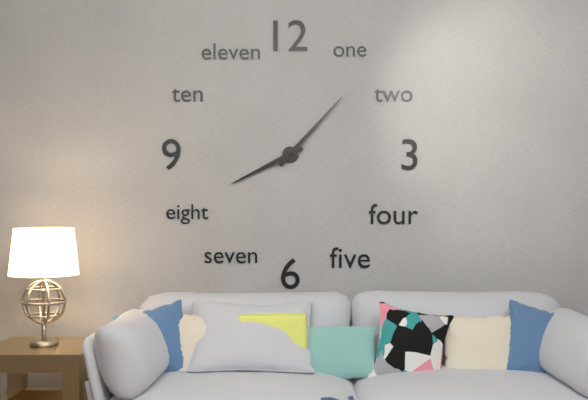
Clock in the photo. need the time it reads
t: 8:07
